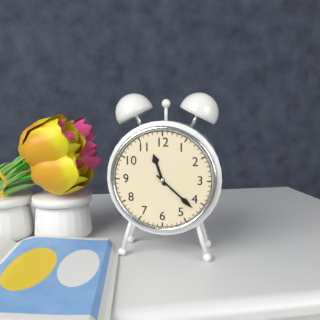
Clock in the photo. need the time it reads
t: 11:22
